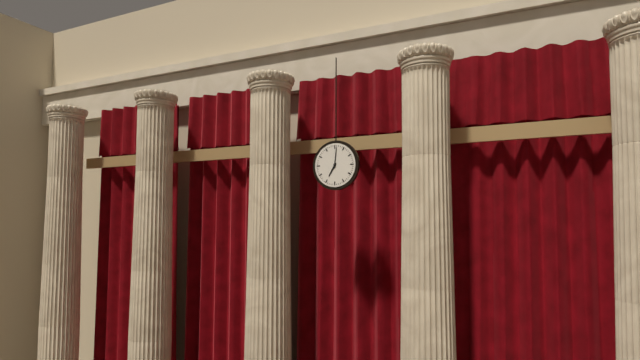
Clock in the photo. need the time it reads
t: 7:01
